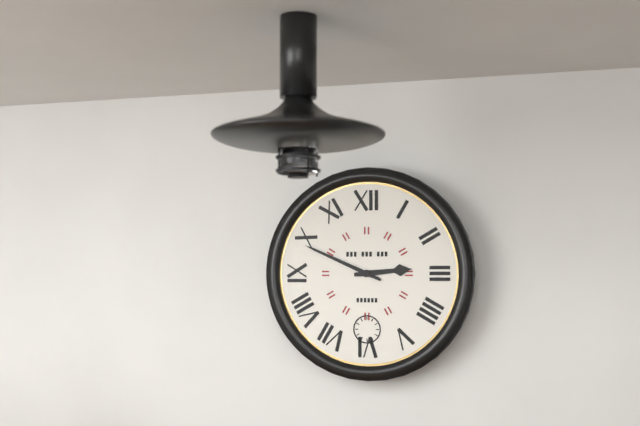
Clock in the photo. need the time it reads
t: 2:49
